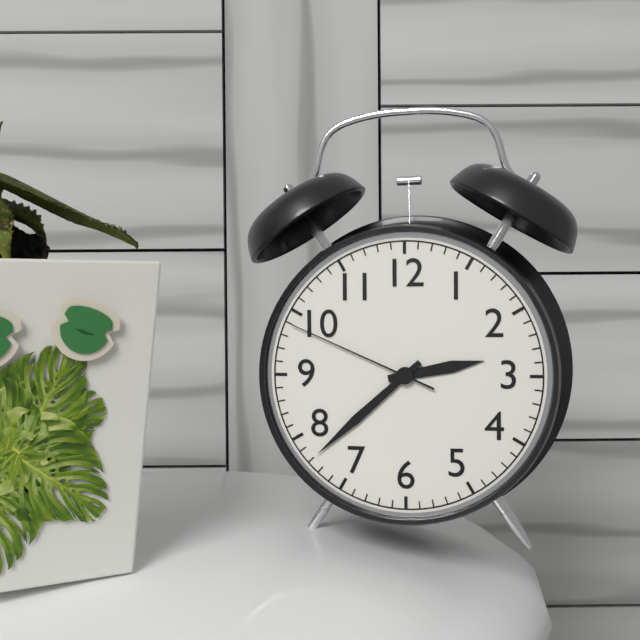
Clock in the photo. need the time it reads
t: 2:38:49
